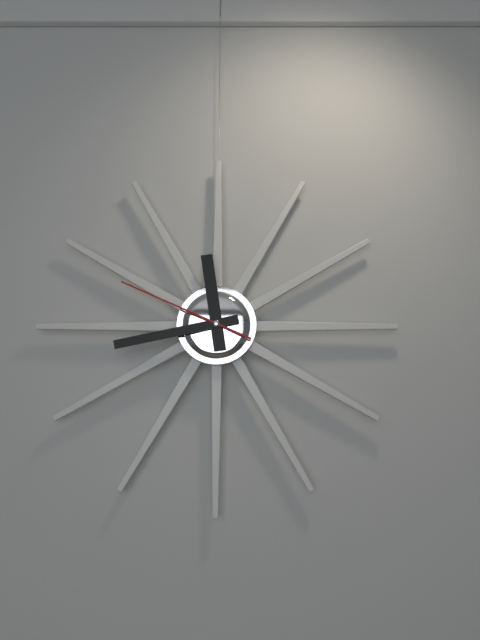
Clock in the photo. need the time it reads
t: 11:43:49
